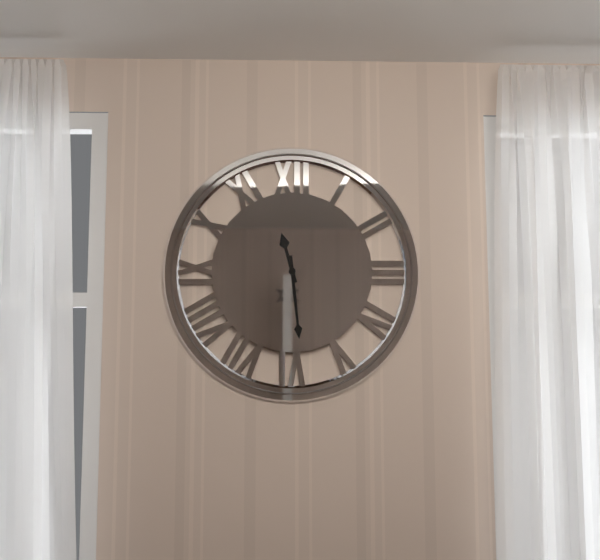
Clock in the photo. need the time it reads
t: 11:29
